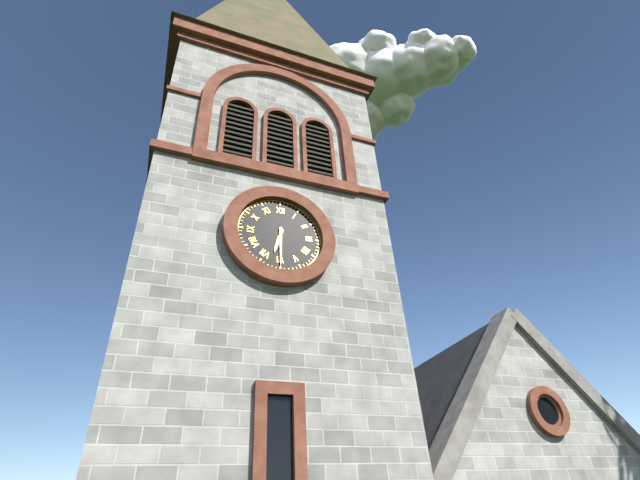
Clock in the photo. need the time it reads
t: 6:30
